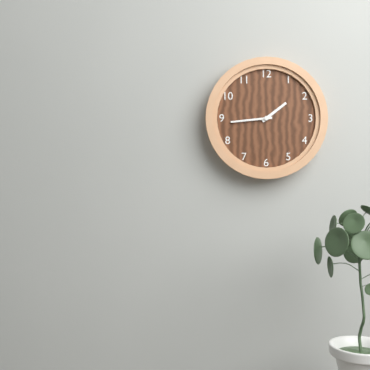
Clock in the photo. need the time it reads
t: 1:44
